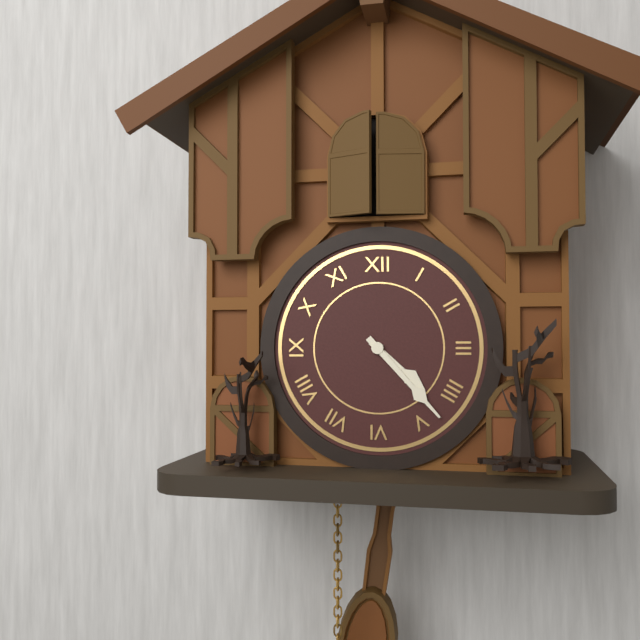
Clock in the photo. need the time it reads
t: 4:23
